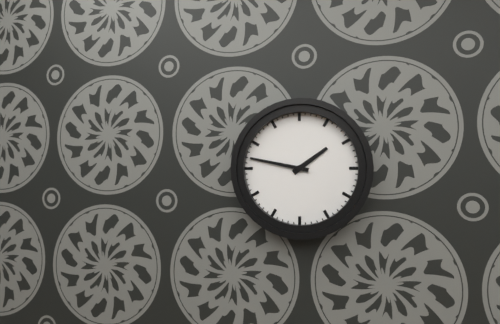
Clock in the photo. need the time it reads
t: 1:47
